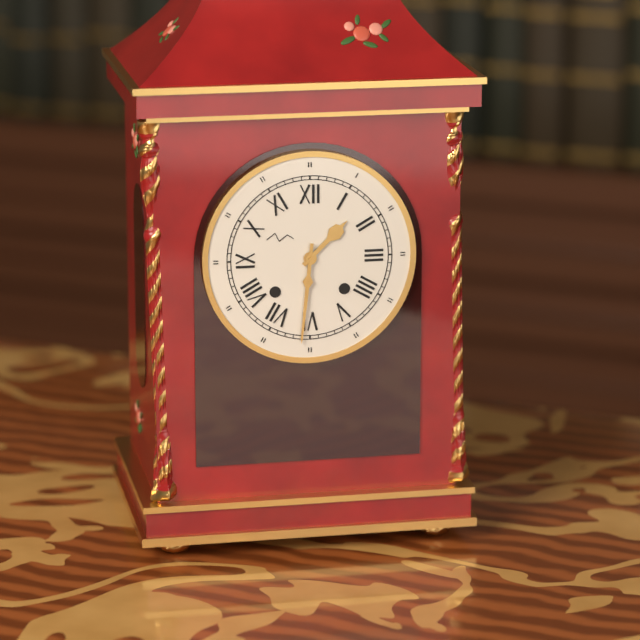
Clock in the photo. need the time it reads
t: 1:31
